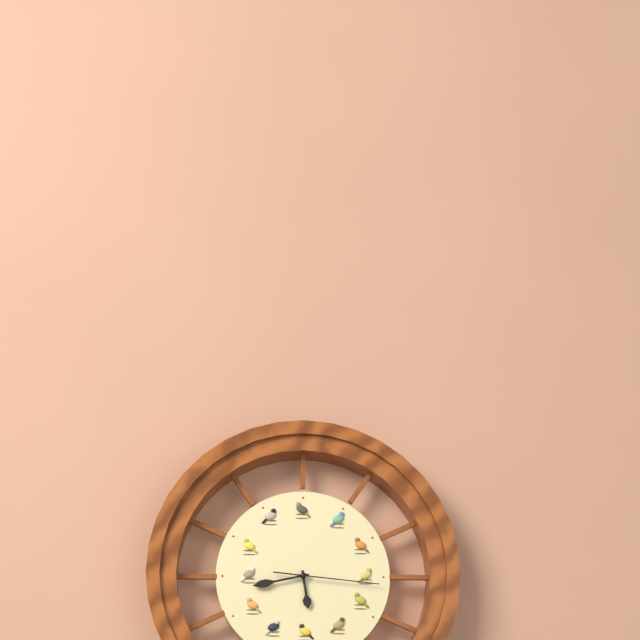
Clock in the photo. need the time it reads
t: 5:43:16
